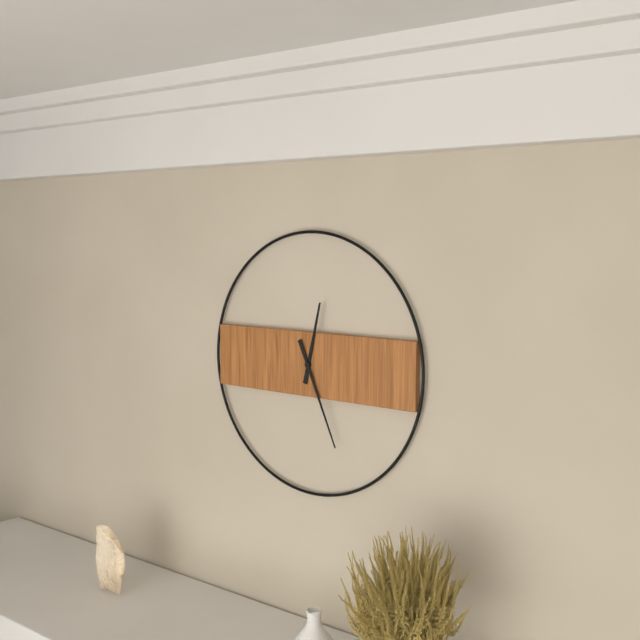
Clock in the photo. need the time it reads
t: 12:26
